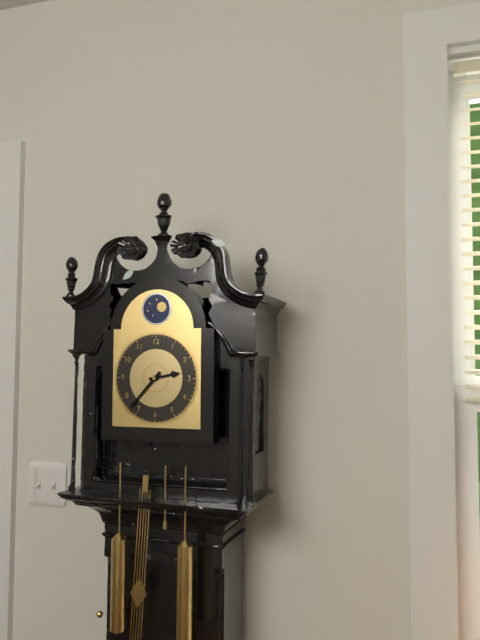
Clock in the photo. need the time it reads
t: 2:37
